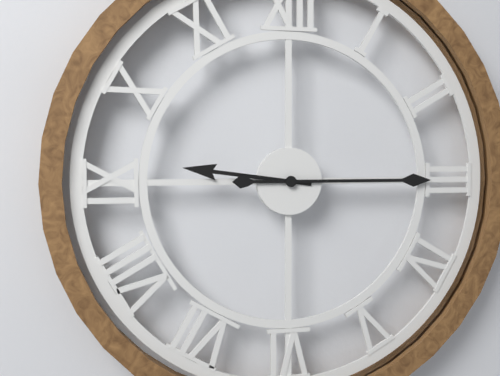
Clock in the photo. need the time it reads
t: 9:15
